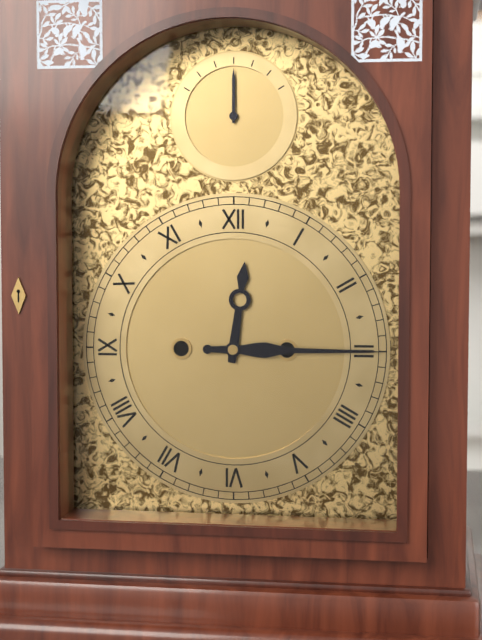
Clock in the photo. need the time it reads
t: 12:15
